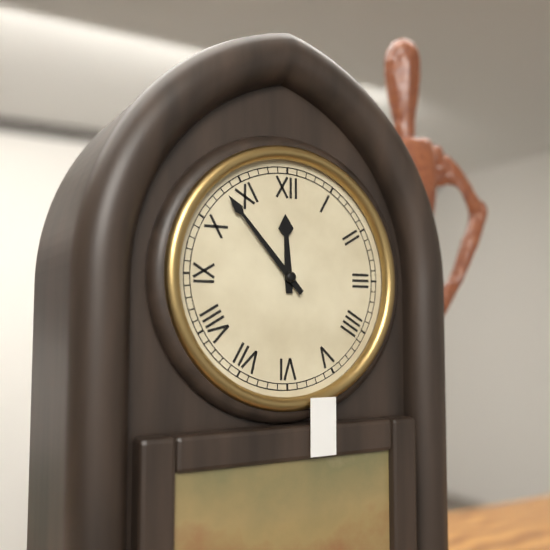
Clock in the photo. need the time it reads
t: 11:53
